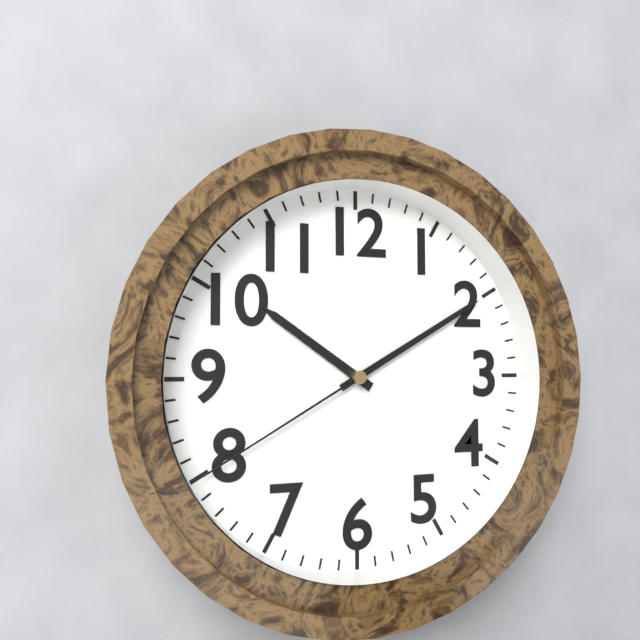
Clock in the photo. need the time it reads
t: 10:10:40
